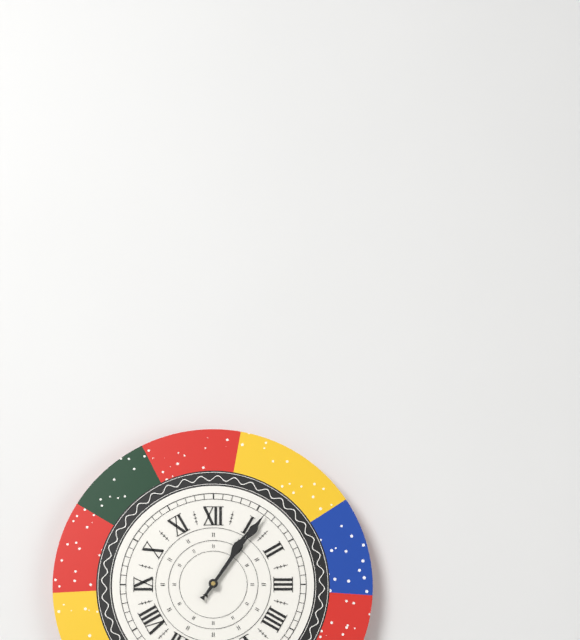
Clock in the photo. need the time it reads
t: 1:06
